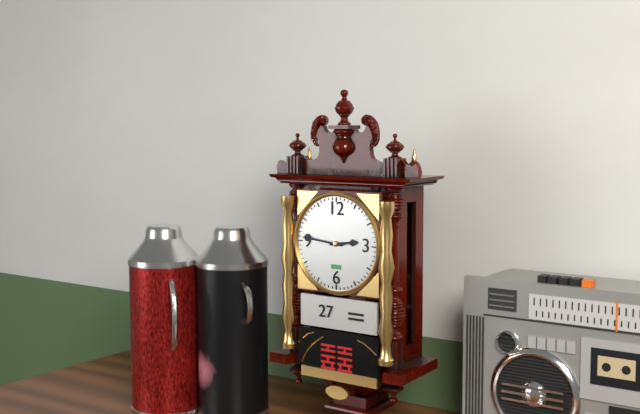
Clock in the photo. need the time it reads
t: 2:46
